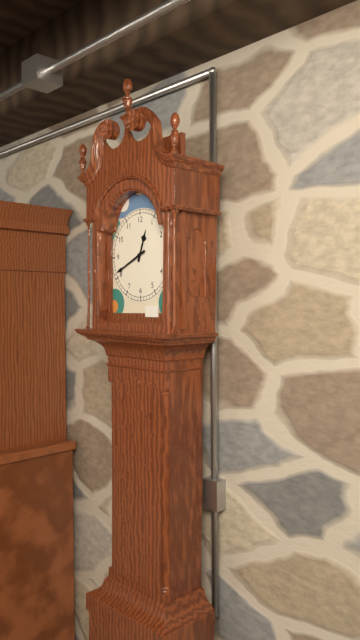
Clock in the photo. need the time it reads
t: 12:41
